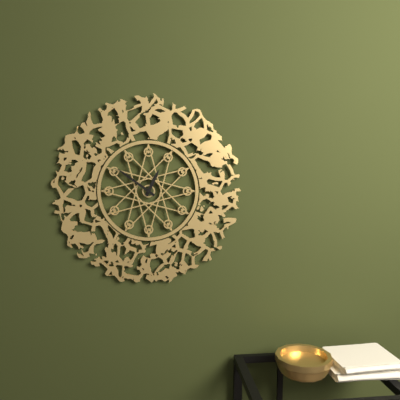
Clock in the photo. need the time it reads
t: 12:51
